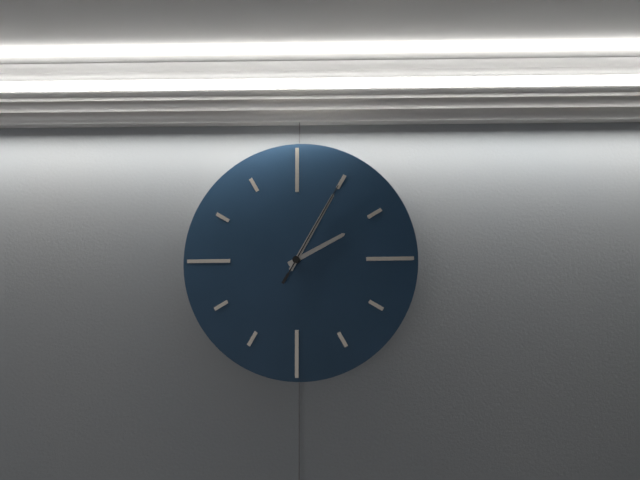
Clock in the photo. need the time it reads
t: 2:05:05
